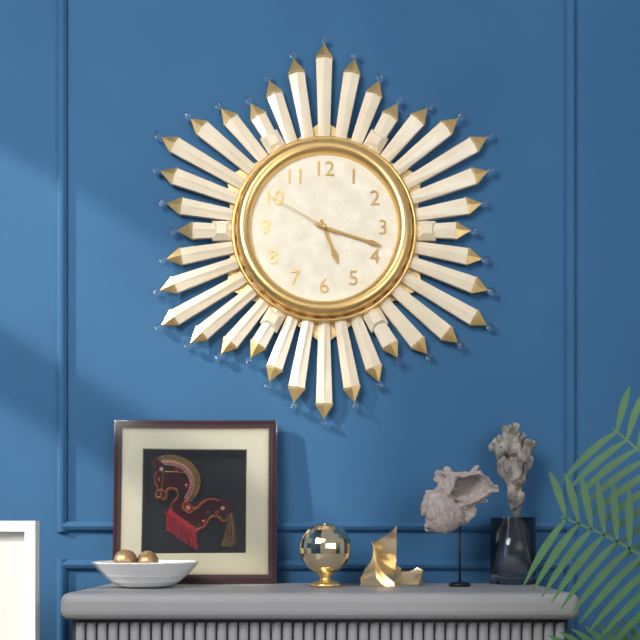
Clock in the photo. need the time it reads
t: 5:18:50
